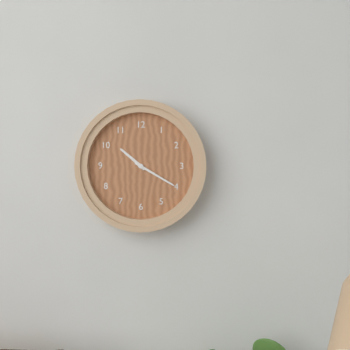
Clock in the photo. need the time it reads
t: 10:20
